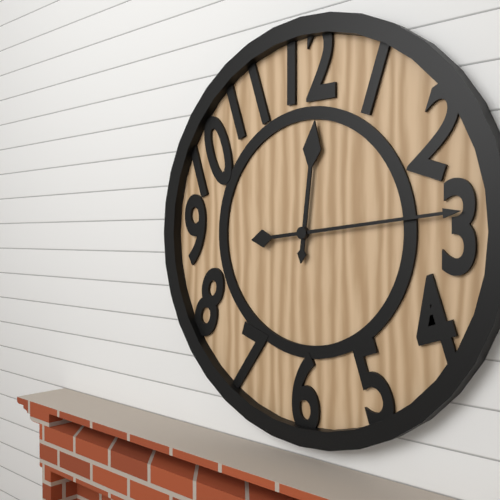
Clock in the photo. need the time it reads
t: 12:14
